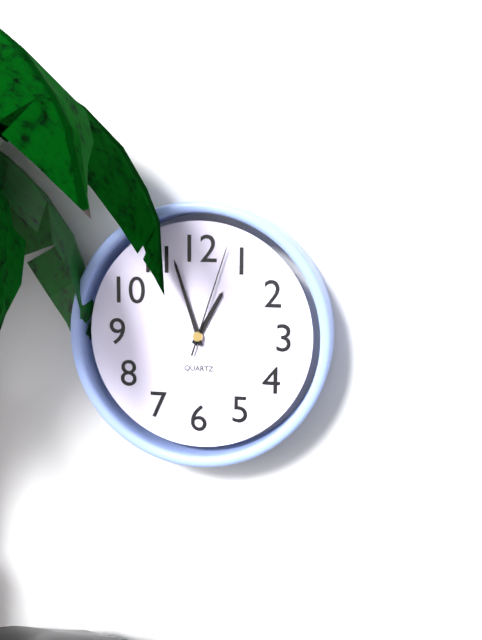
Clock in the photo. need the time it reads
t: 12:57:03
